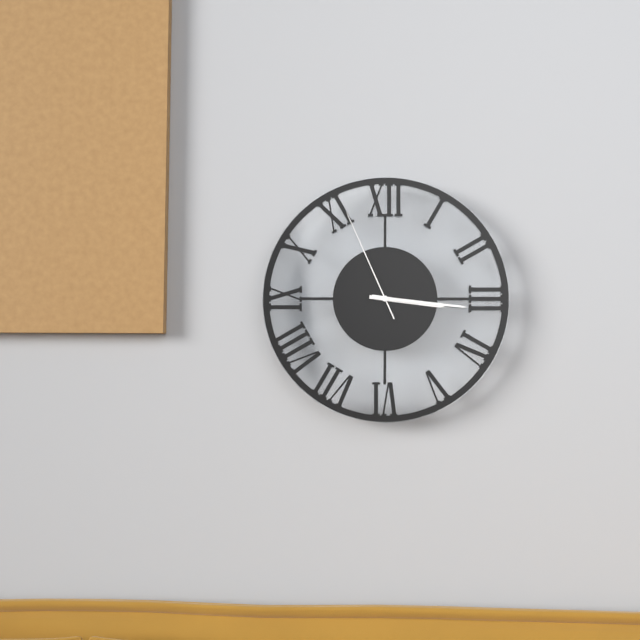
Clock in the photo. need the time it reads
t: 3:16:56
